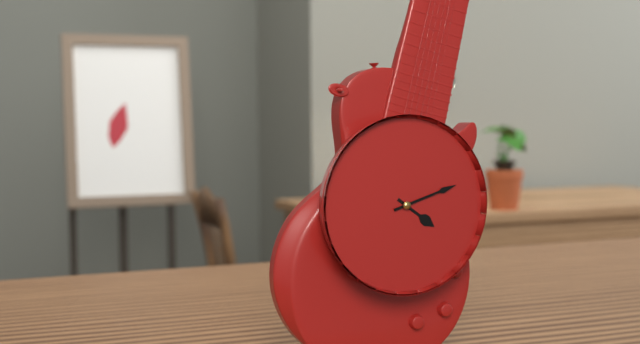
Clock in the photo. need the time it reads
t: 4:12
